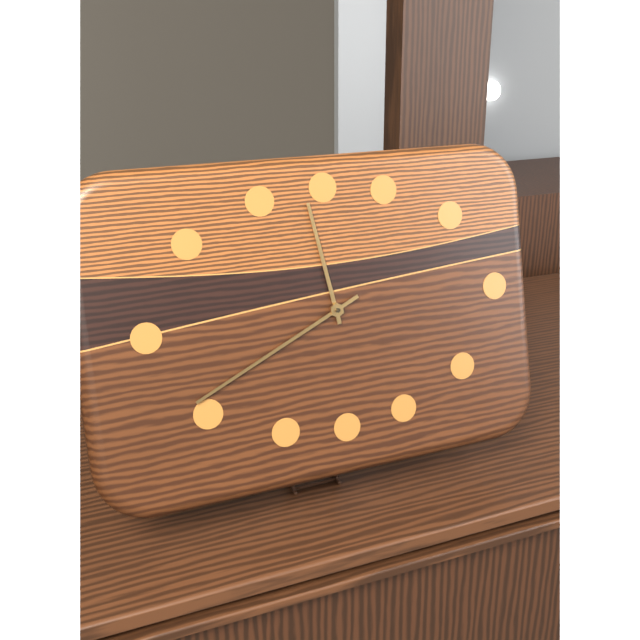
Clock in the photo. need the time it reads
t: 11:41
